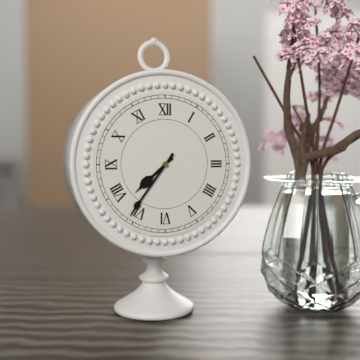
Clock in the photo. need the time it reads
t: 7:36
